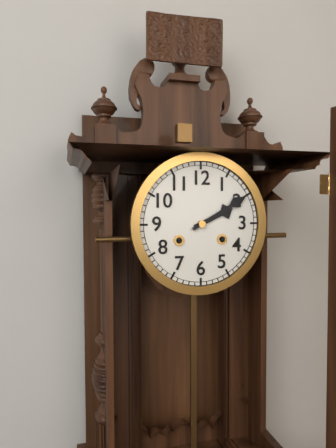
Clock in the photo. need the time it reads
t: 2:10
